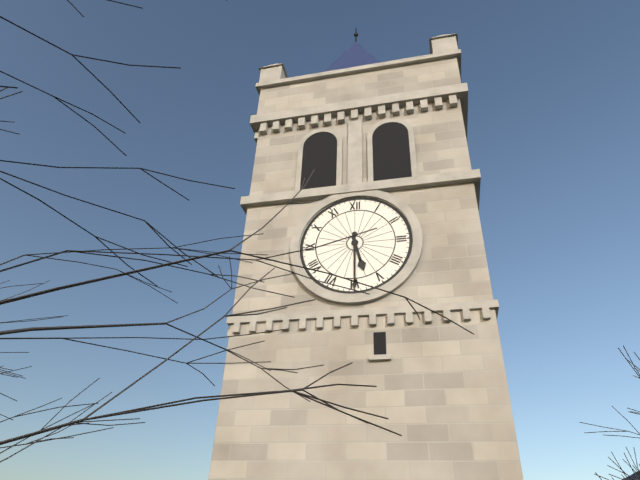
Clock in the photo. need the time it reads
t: 5:30
